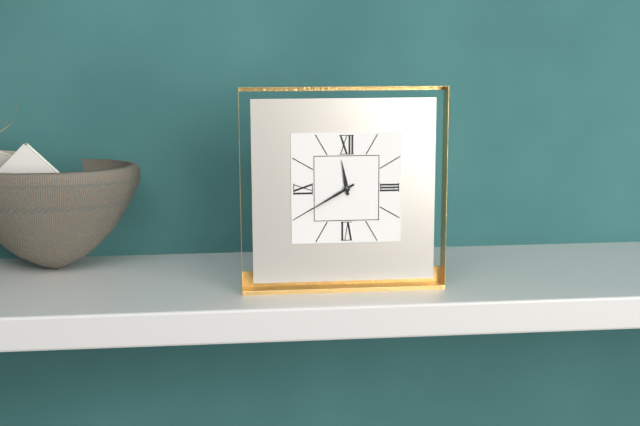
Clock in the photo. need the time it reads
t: 11:40
